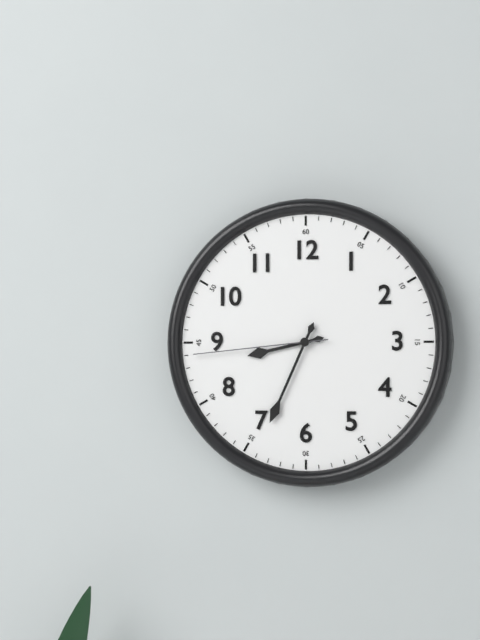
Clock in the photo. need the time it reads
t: 8:34:44
